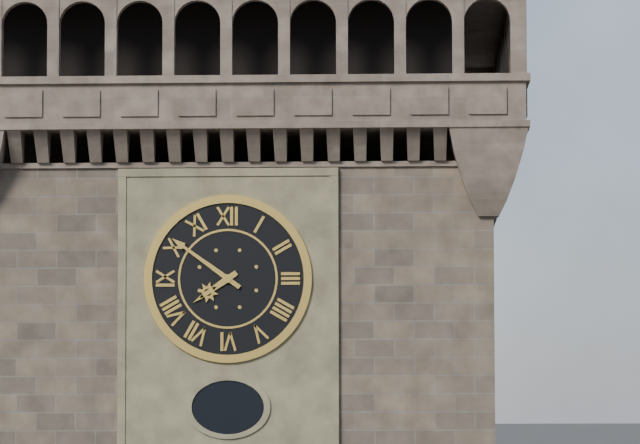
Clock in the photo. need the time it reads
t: 7:51
